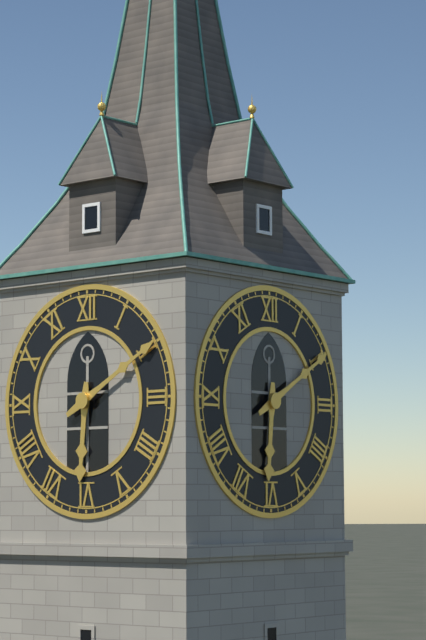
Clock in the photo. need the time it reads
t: 6:10
